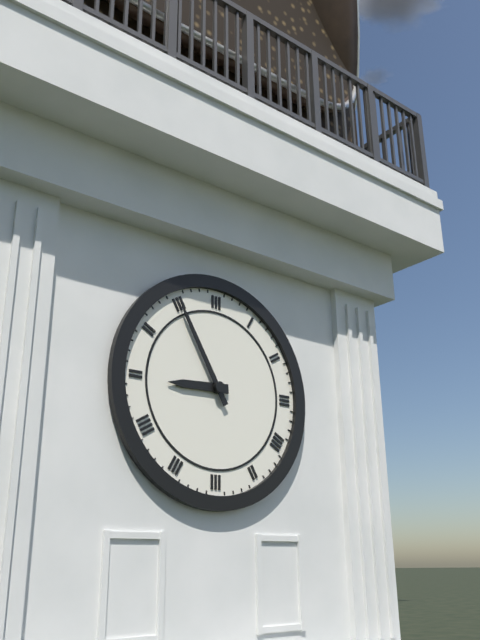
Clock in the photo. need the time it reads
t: 8:55
